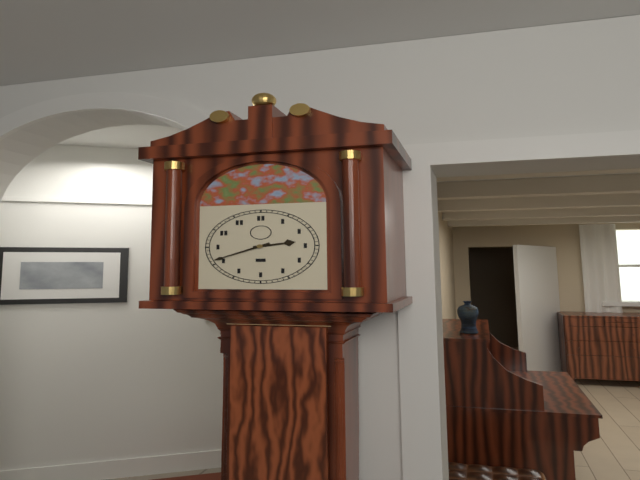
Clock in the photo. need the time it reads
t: 2:41
